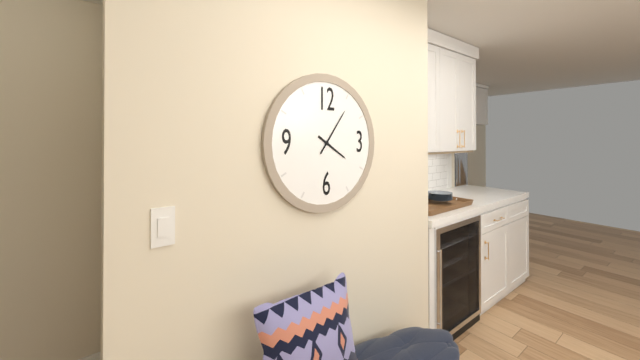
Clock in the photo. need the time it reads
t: 4:06
